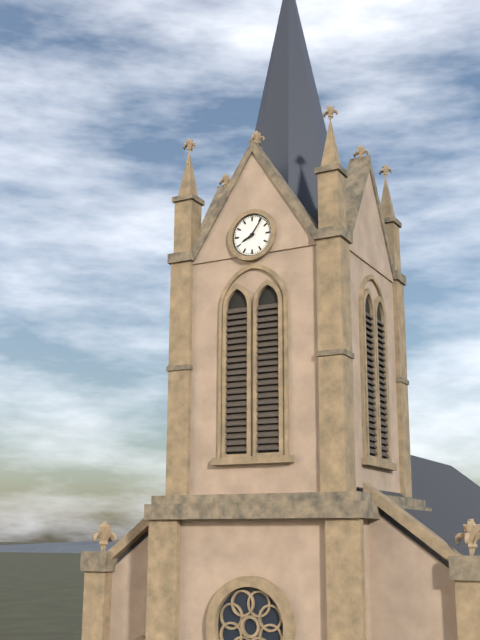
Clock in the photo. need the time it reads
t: 8:06
